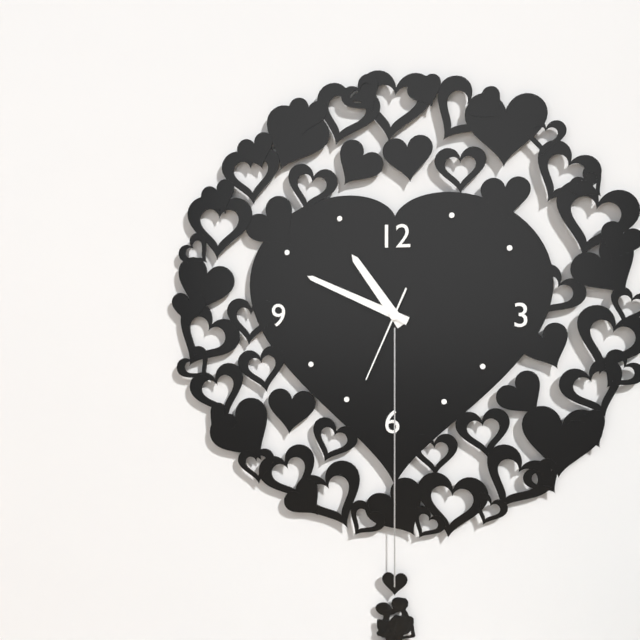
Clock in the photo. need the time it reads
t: 10:49:34
